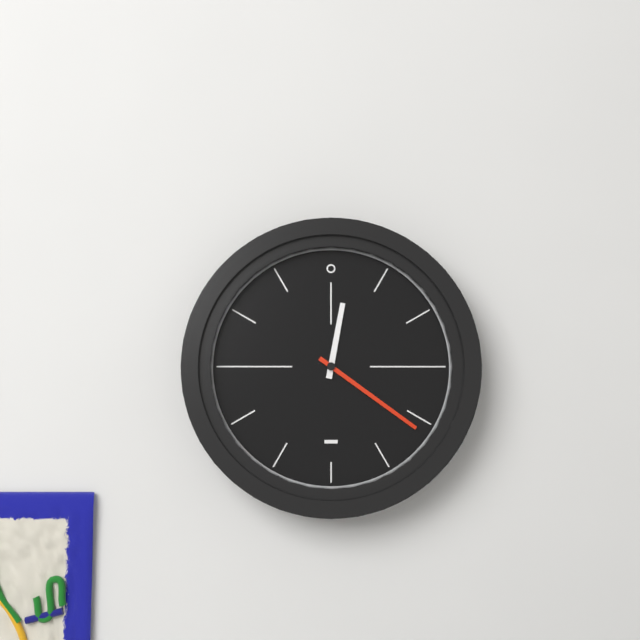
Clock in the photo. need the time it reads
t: 12:21
